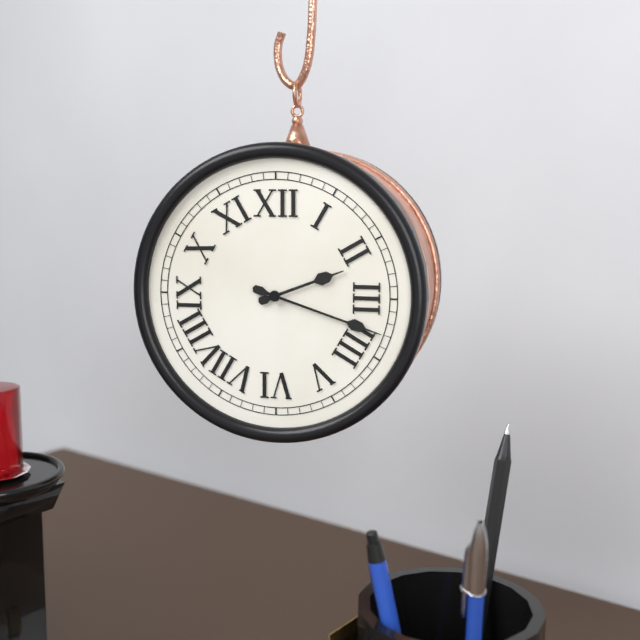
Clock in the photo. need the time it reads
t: 2:18
